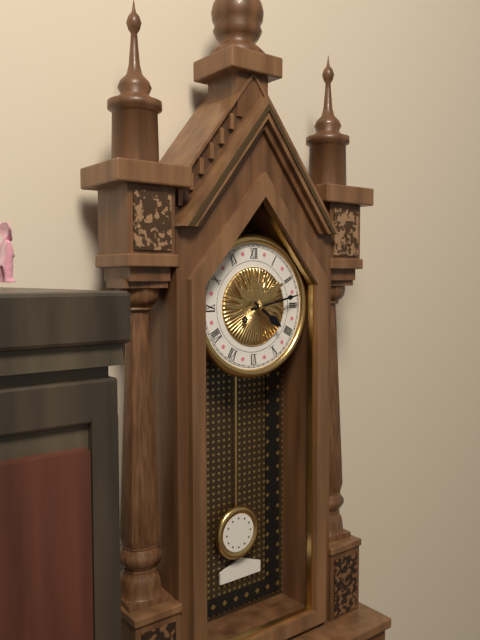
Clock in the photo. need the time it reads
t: 4:13
